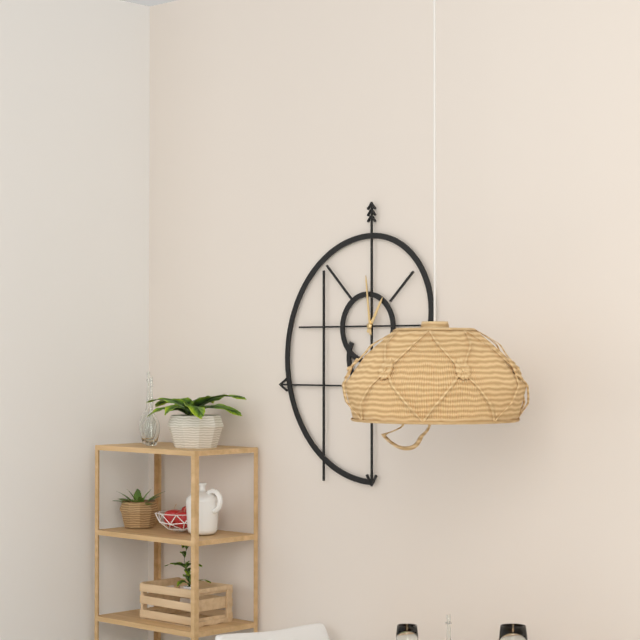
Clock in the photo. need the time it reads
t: 12:59
